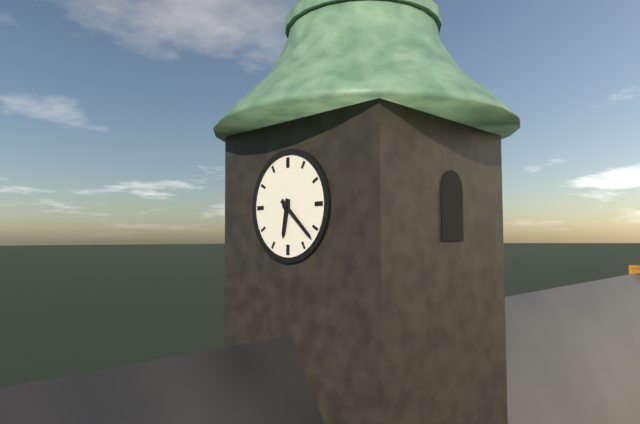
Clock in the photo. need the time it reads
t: 6:22
